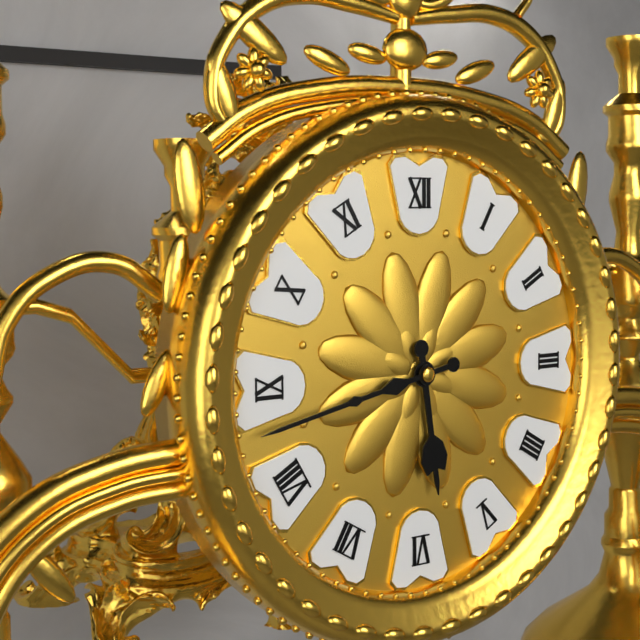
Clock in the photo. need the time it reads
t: 5:43
